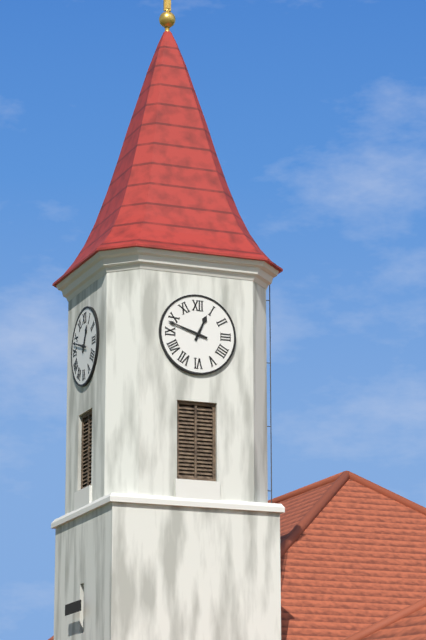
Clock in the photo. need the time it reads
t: 12:48
